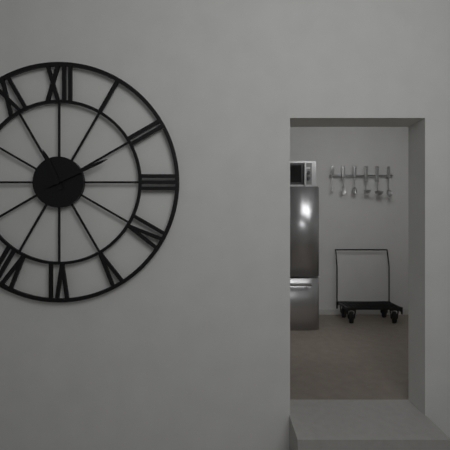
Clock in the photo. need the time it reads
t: 11:11
